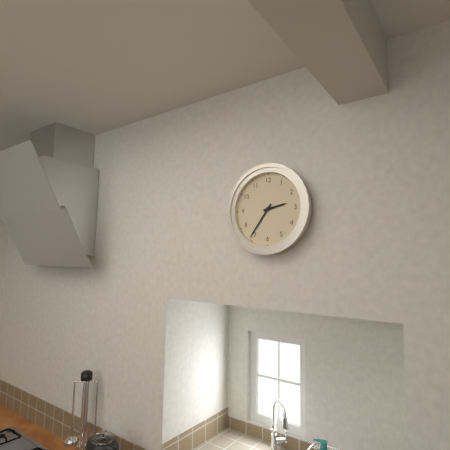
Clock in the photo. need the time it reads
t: 2:36
